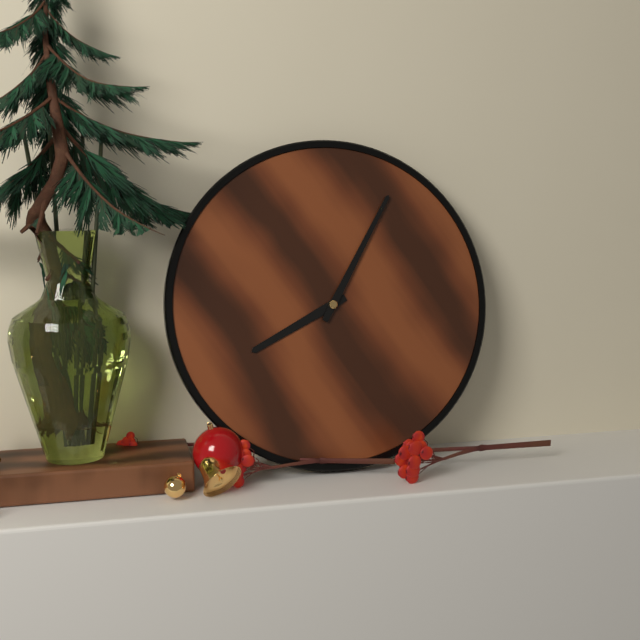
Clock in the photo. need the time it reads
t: 8:05
